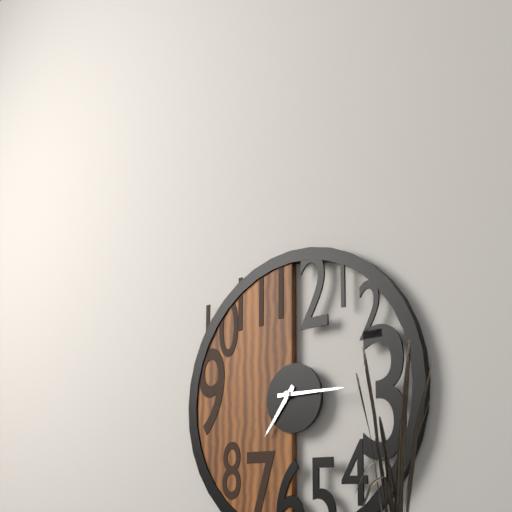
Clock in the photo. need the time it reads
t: 7:15
